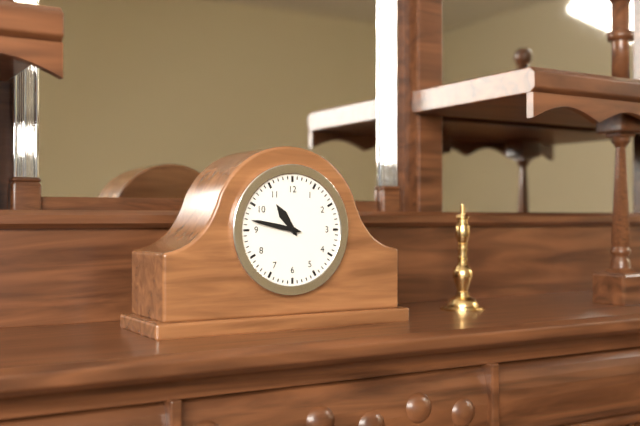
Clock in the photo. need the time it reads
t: 10:47
